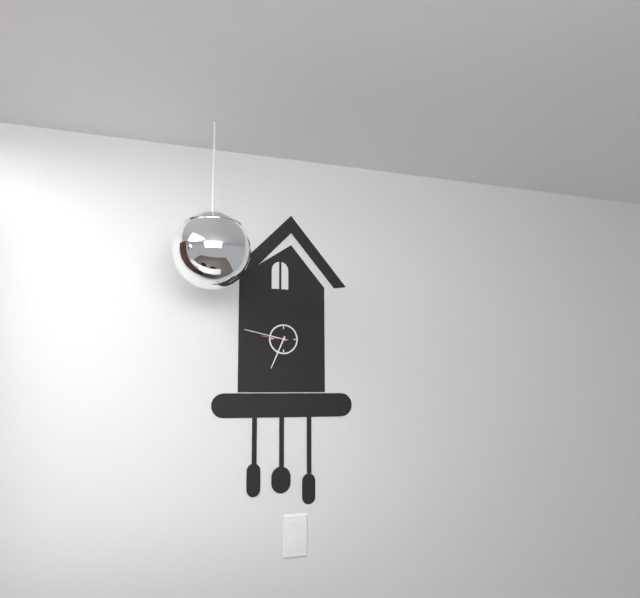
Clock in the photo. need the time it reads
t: 6:47
